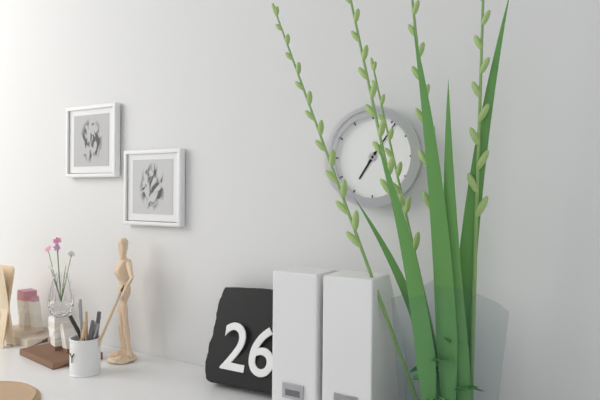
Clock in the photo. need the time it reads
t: 7:06
